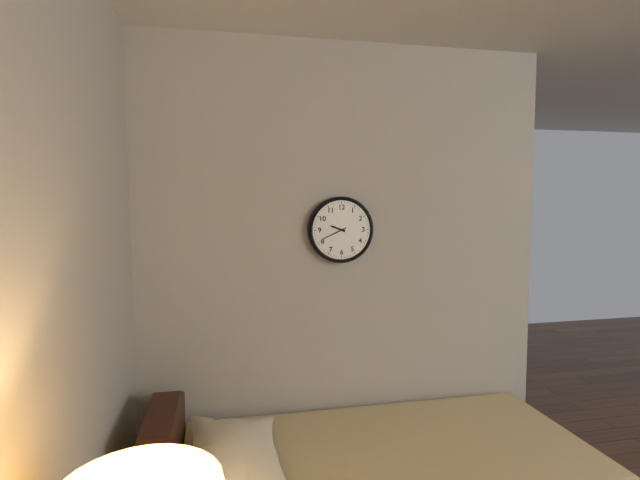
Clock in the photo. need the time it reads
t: 9:41
